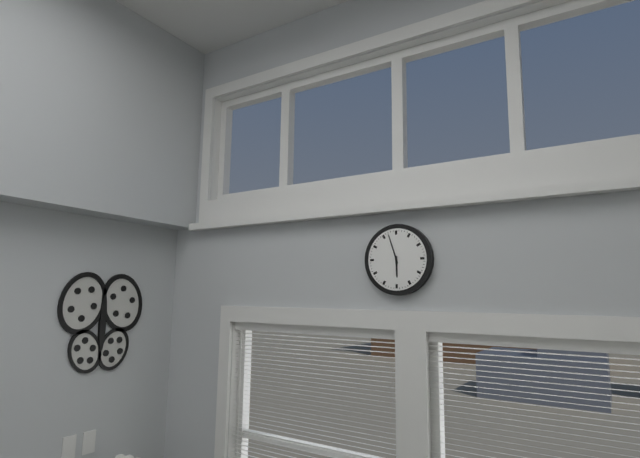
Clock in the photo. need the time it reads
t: 5:57
